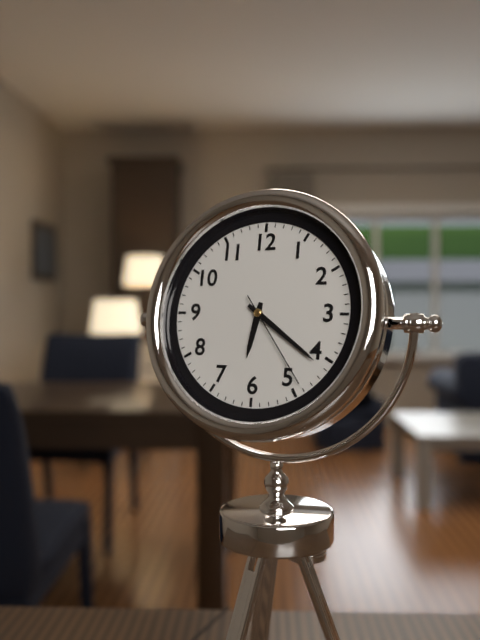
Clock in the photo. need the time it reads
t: 6:21:24
